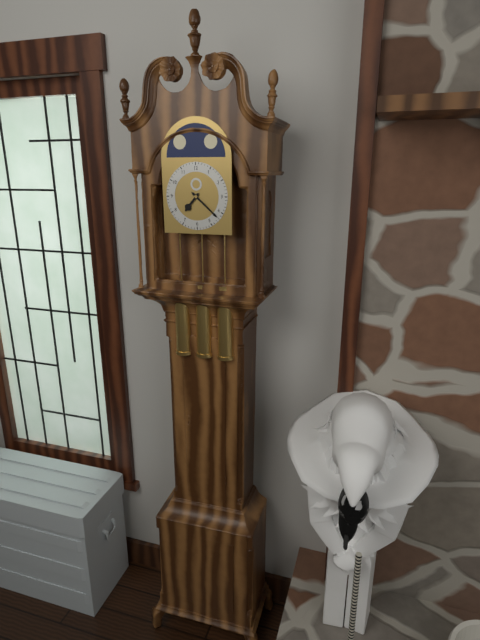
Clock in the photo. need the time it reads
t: 7:22
